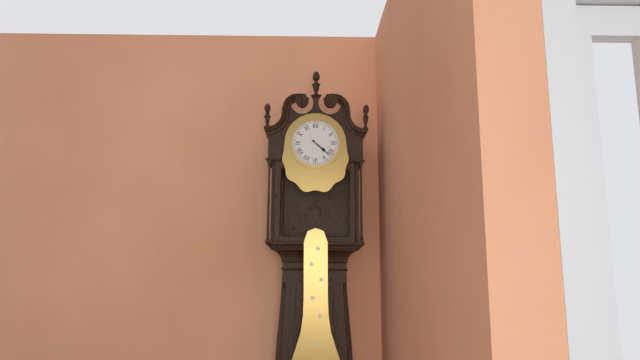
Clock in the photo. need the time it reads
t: 4:22
